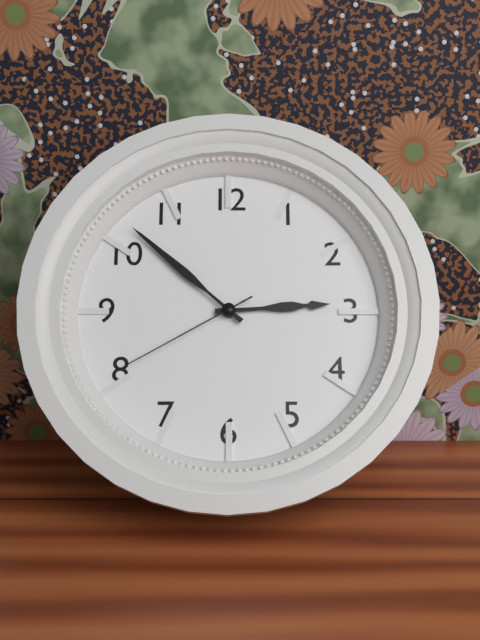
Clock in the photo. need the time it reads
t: 2:52:40
